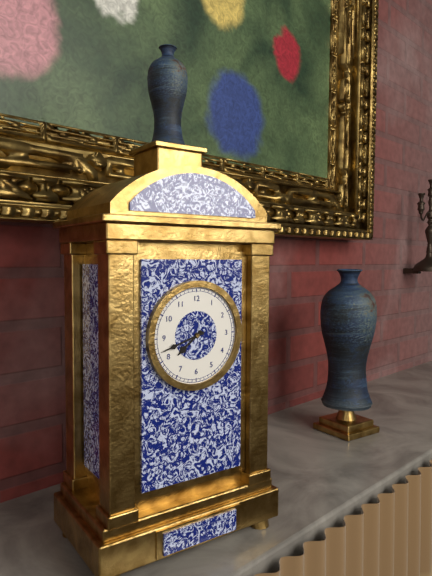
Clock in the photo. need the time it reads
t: 7:42
